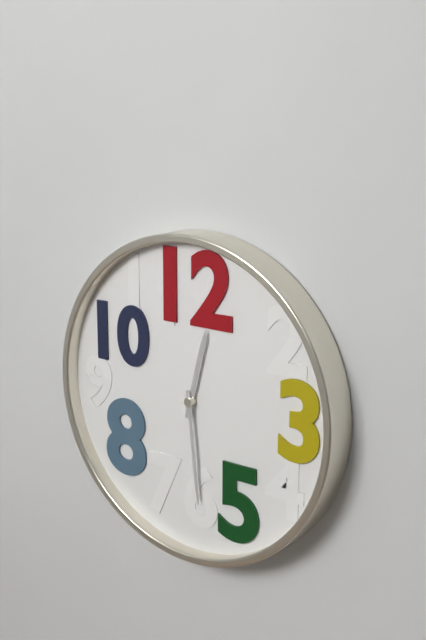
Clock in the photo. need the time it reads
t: 12:29
